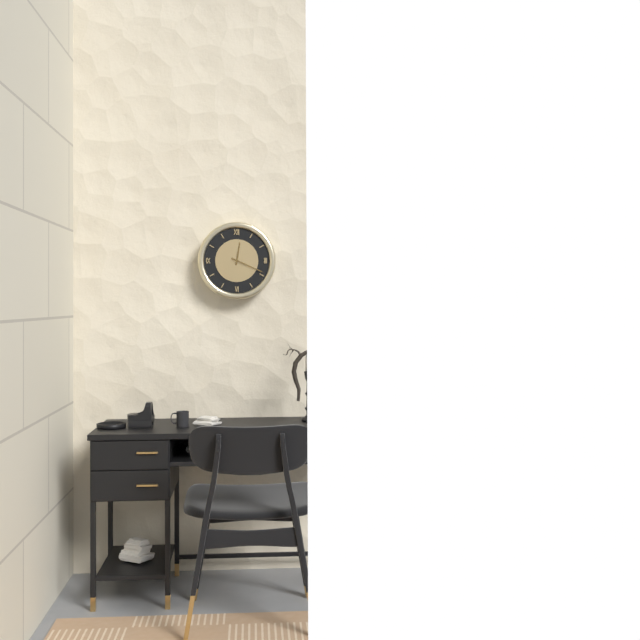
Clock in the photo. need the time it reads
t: 12:19
